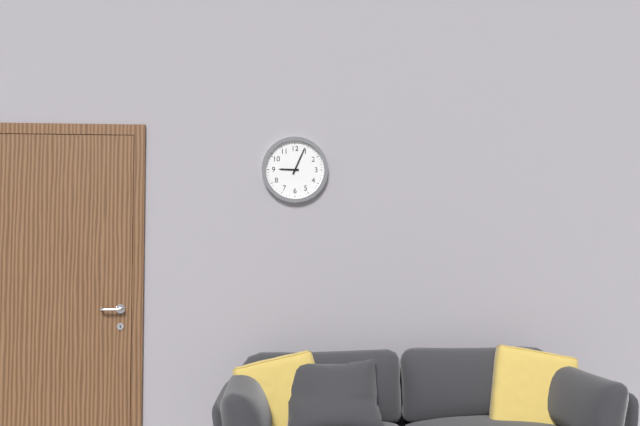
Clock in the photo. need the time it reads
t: 9:04
